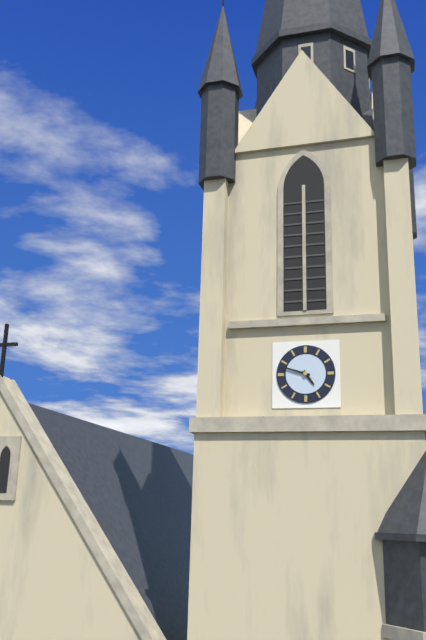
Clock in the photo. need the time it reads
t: 4:48
